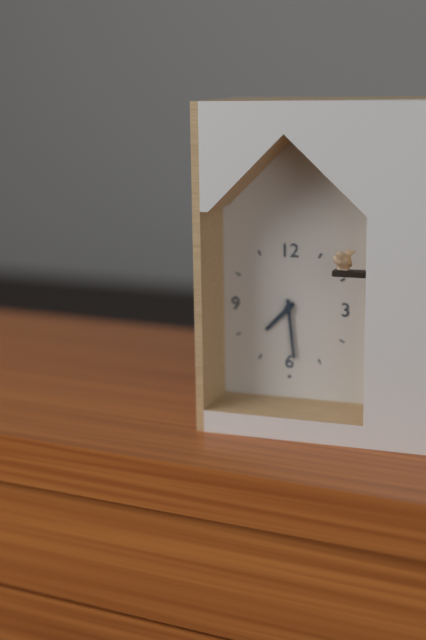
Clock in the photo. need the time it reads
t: 7:29
